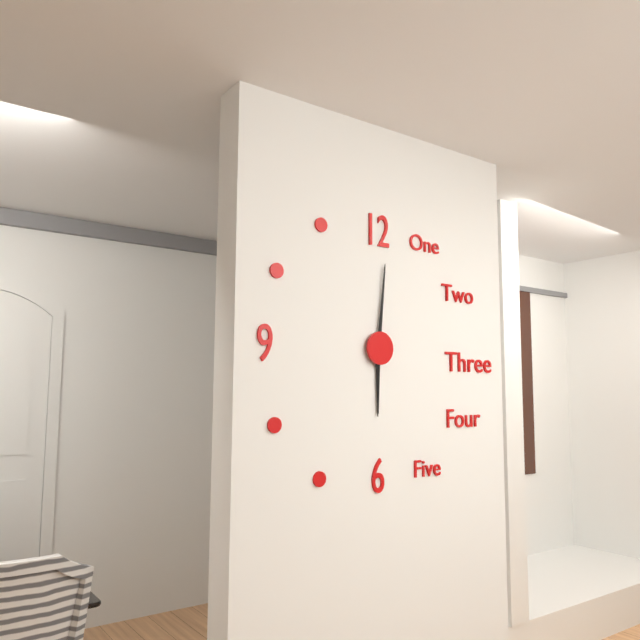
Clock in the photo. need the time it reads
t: 6:01
